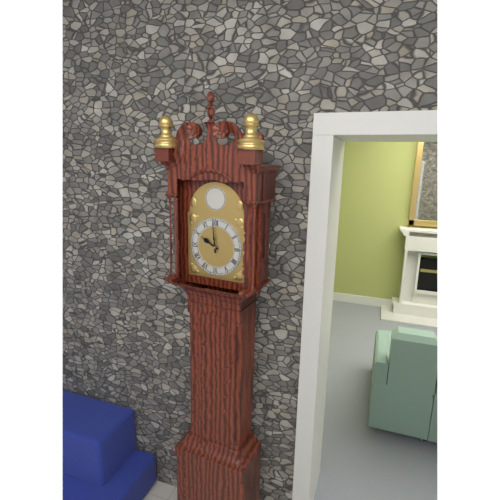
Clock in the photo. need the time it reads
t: 9:59
